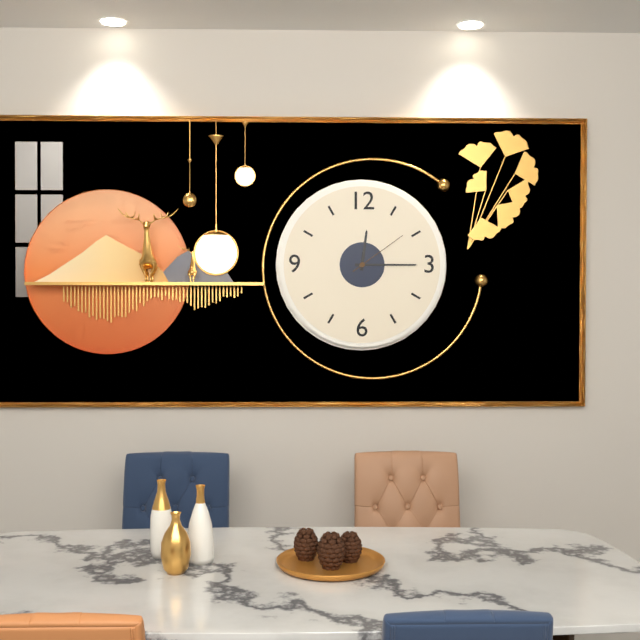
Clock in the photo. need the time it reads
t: 12:15:09
